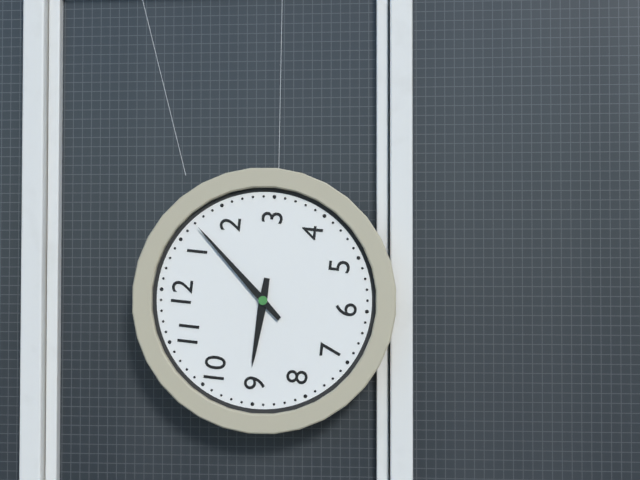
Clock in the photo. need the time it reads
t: 9:07
